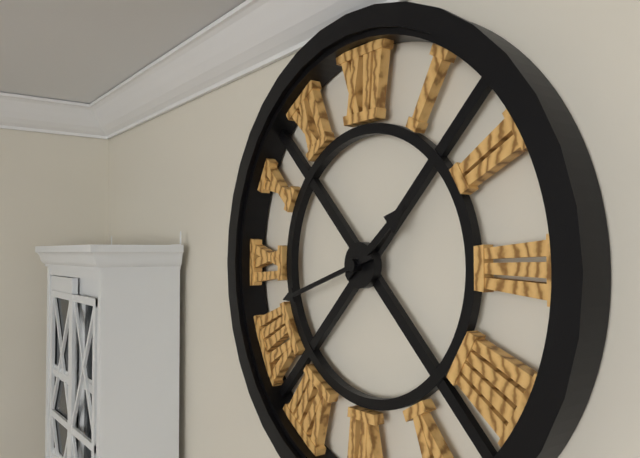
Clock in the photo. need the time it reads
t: 1:42
